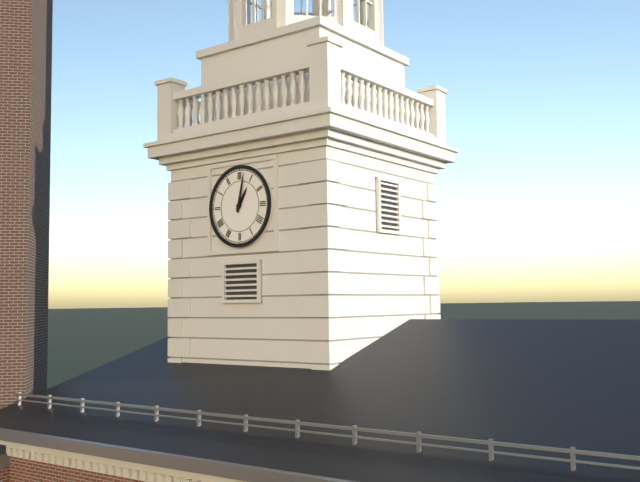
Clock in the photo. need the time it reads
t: 1:02
